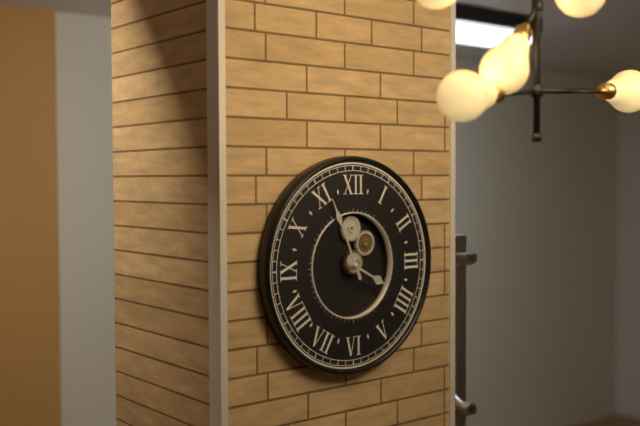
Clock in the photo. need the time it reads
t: 3:56
